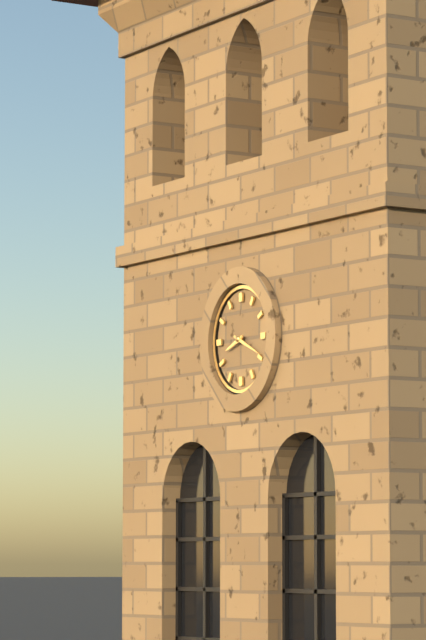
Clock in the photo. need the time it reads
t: 8:19
